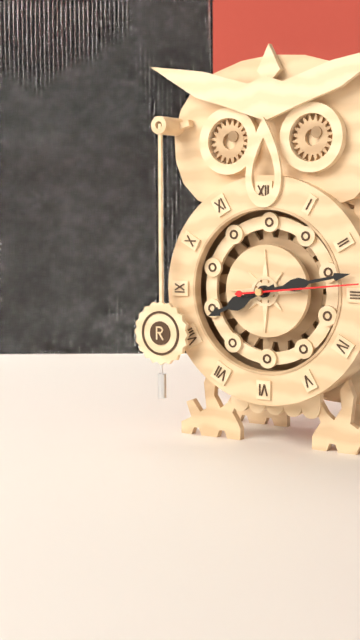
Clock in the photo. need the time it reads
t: 8:13:14
